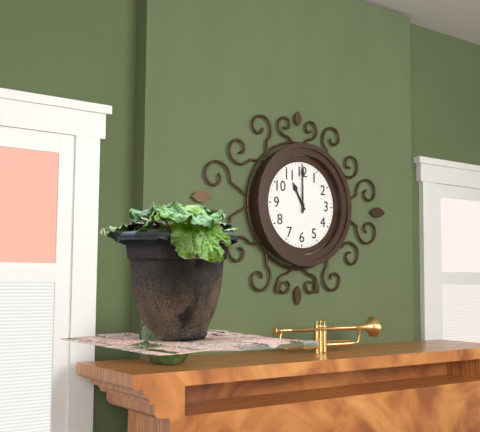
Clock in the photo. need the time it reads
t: 11:00
